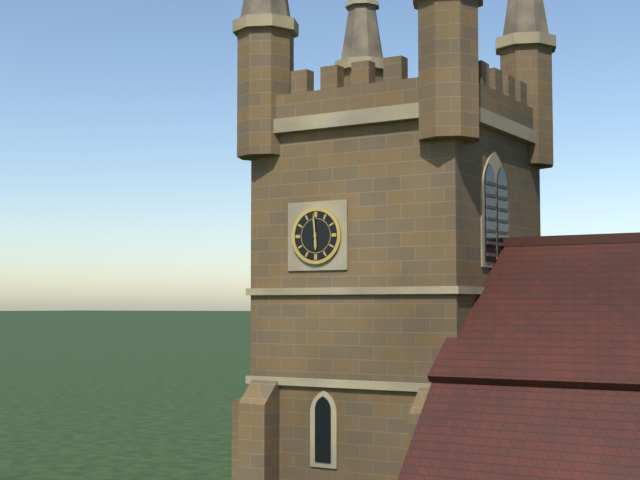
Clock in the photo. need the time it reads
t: 5:59
